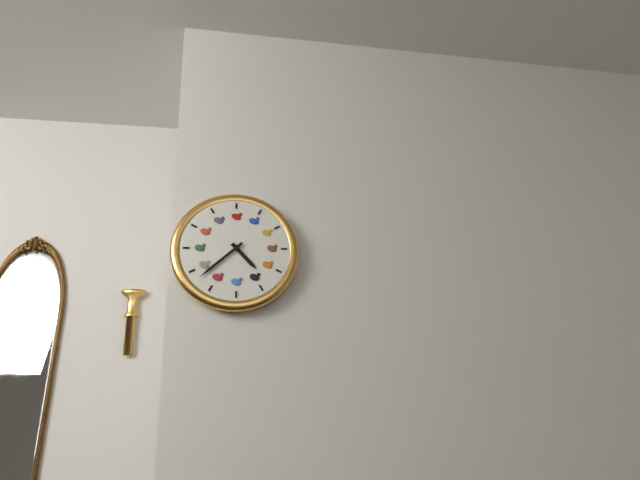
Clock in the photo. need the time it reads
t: 4:38
